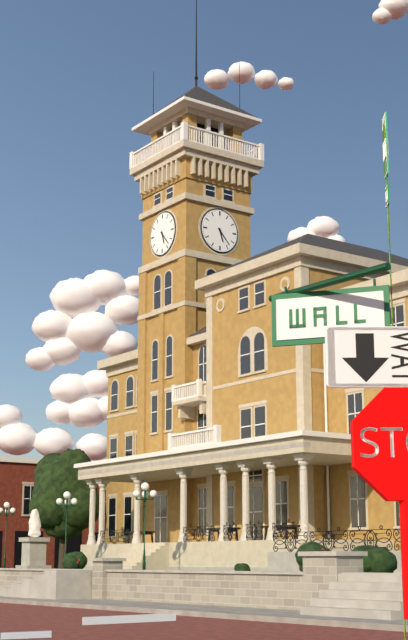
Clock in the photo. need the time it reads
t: 5:23
